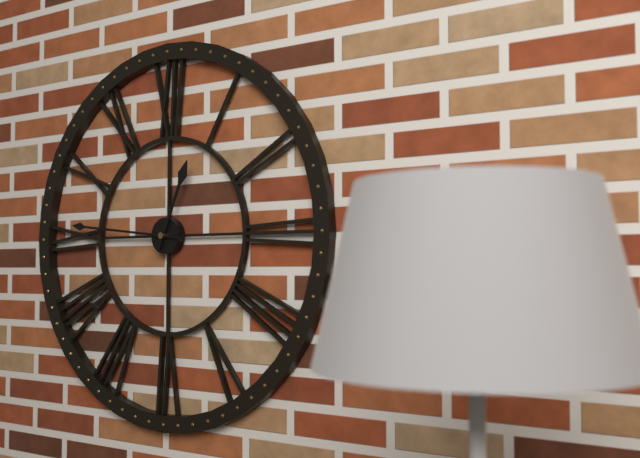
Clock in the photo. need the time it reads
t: 12:46
